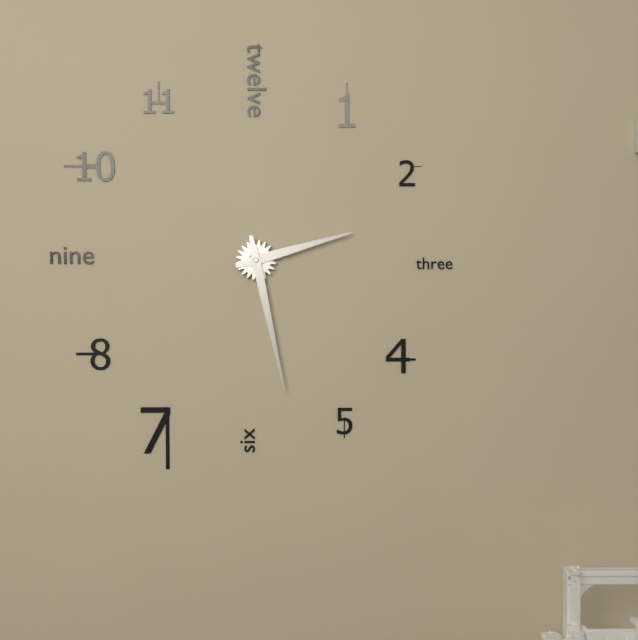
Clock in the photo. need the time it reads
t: 2:28
